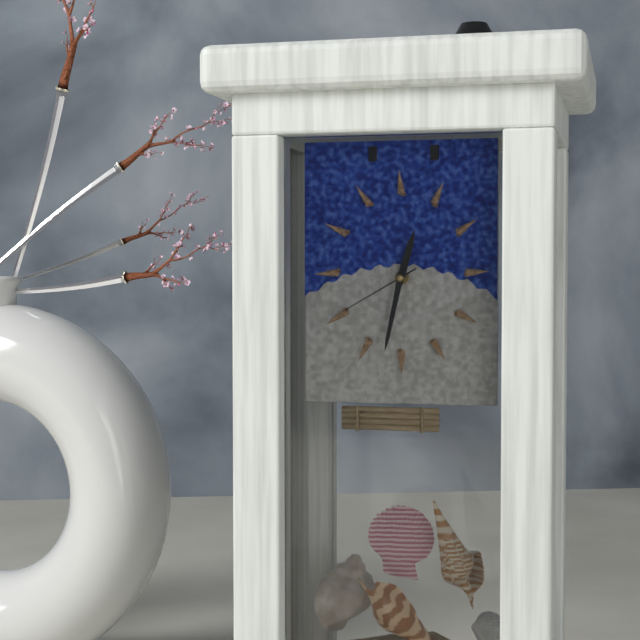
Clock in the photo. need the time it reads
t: 12:32:40
